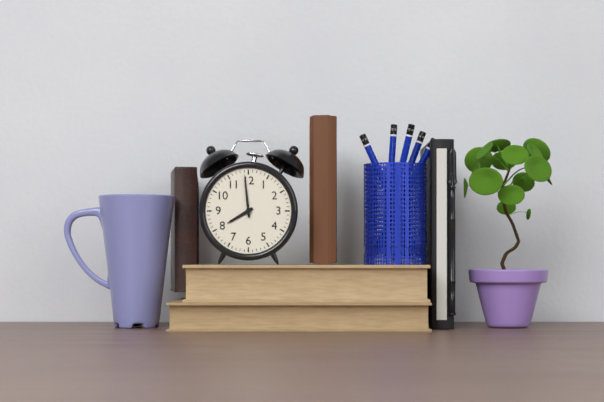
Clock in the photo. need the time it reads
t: 7:59
